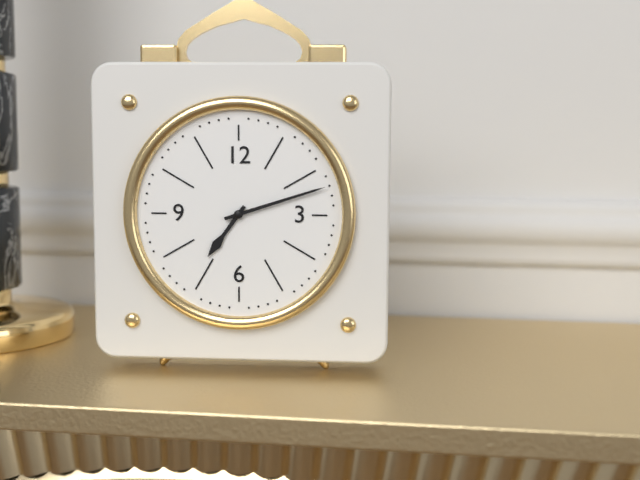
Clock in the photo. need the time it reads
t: 7:12
